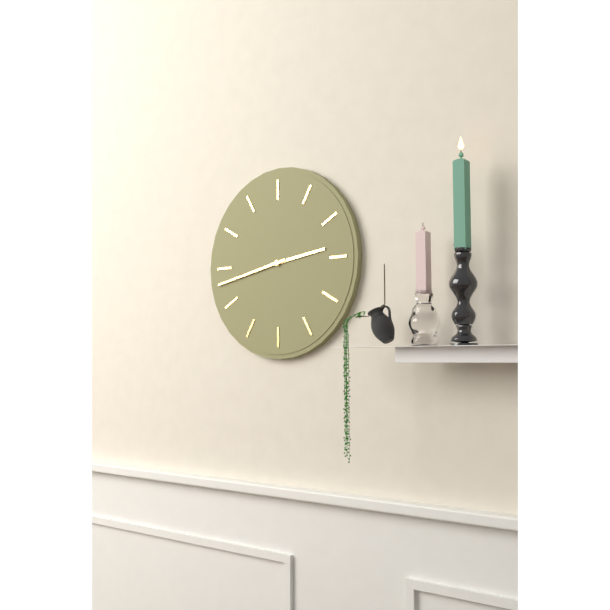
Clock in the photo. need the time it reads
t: 2:43
